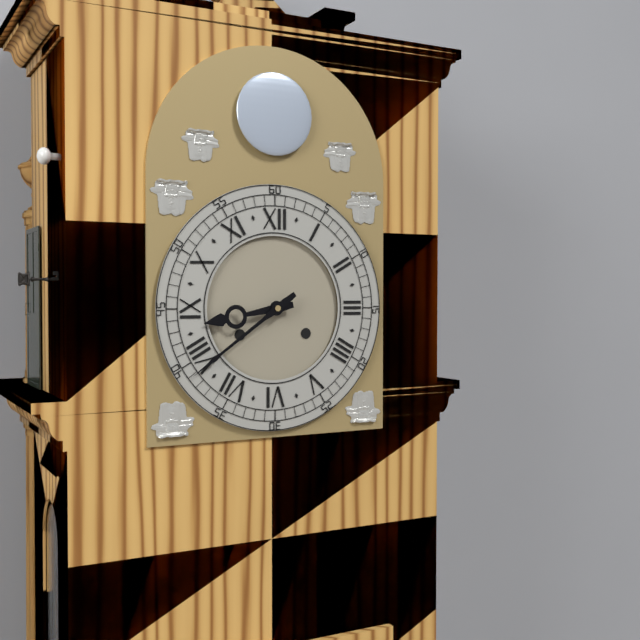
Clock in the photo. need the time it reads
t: 8:39
